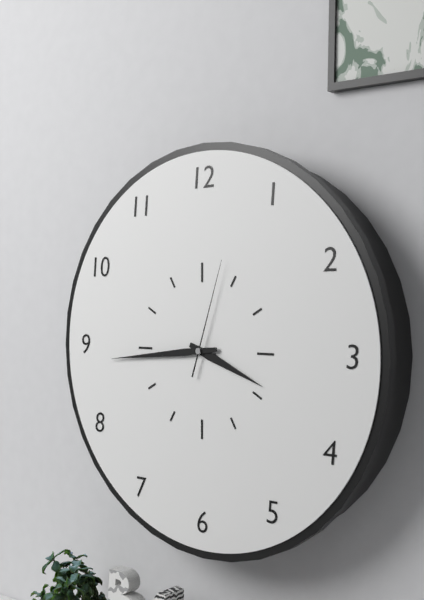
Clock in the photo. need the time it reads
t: 3:44:03
